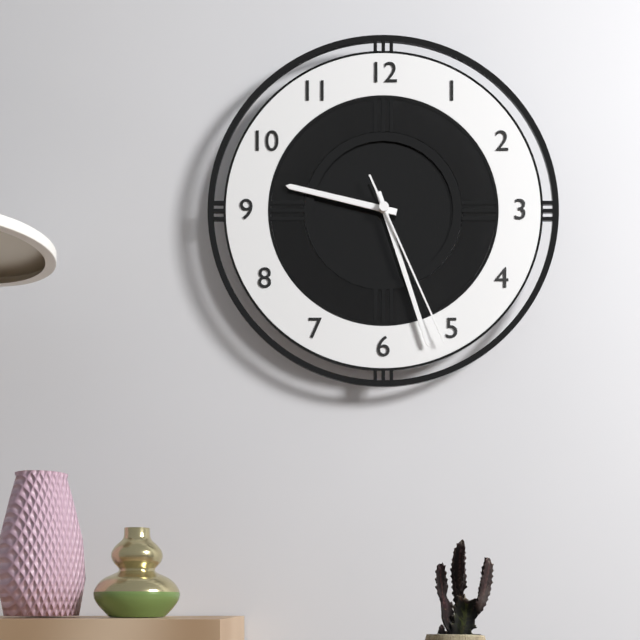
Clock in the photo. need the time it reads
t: 9:27:26
